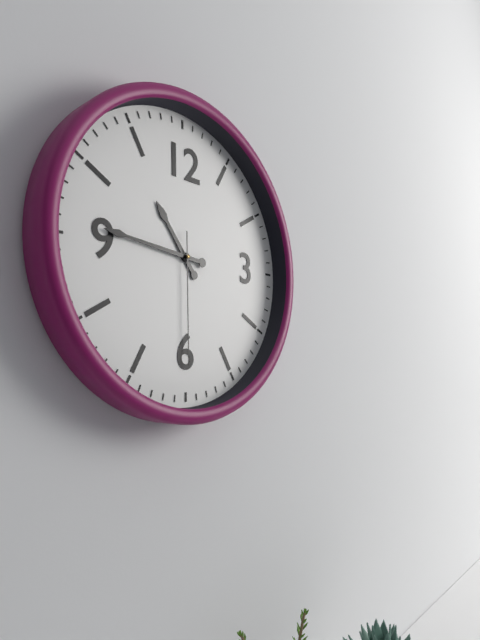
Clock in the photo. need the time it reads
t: 10:46:30
